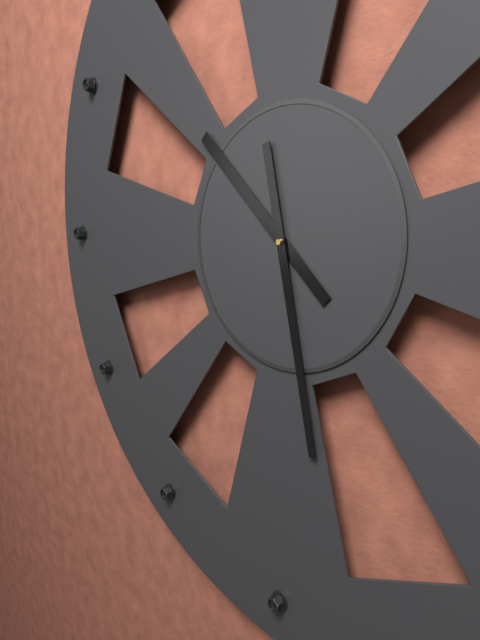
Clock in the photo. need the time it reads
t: 10:28
